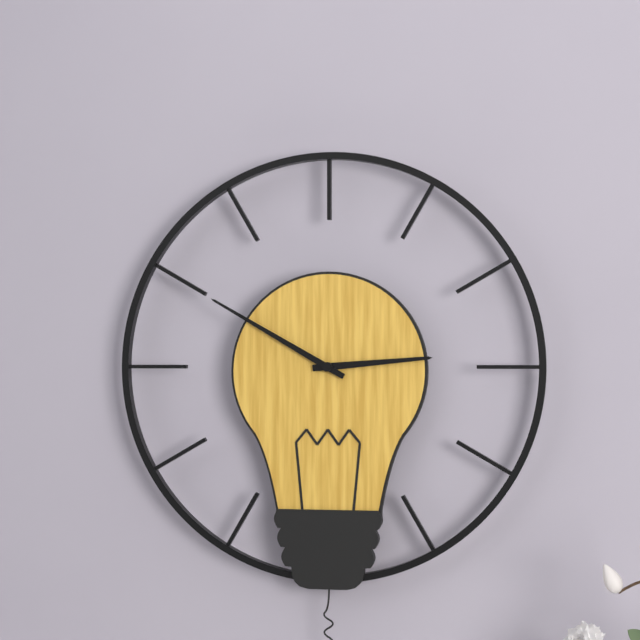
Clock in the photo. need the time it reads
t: 2:50
